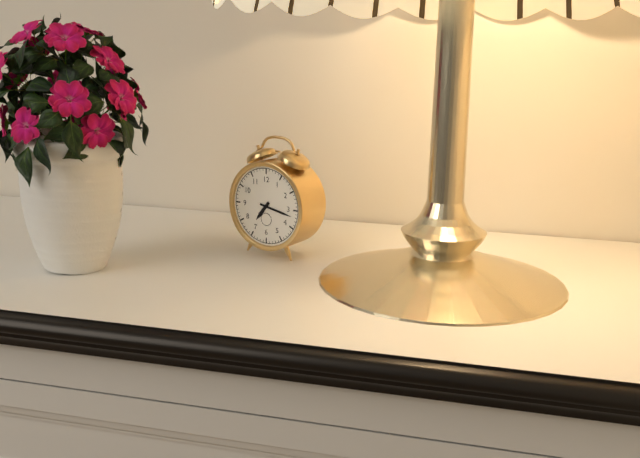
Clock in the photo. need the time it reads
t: 7:17
